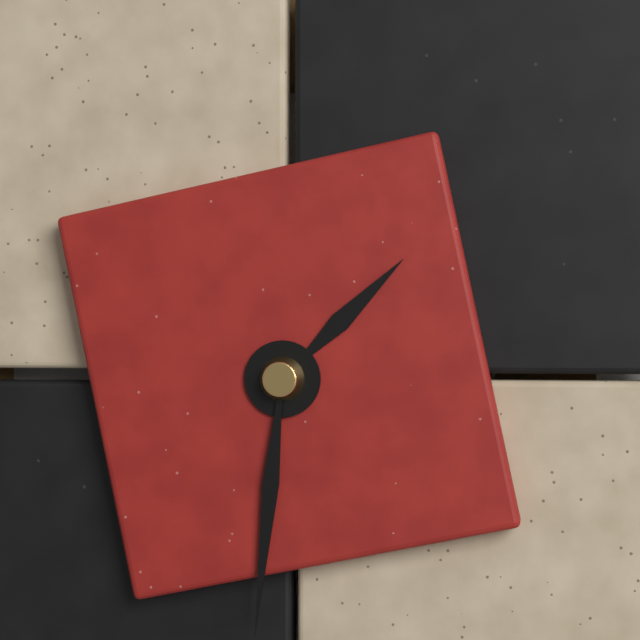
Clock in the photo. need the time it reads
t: 1:31
